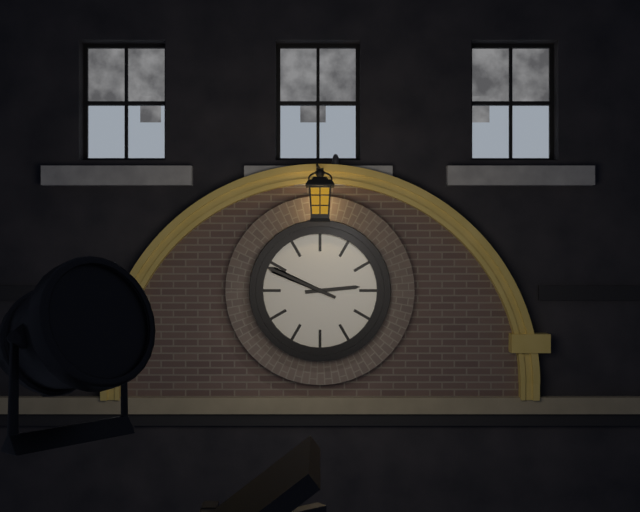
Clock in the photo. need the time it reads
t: 2:49
